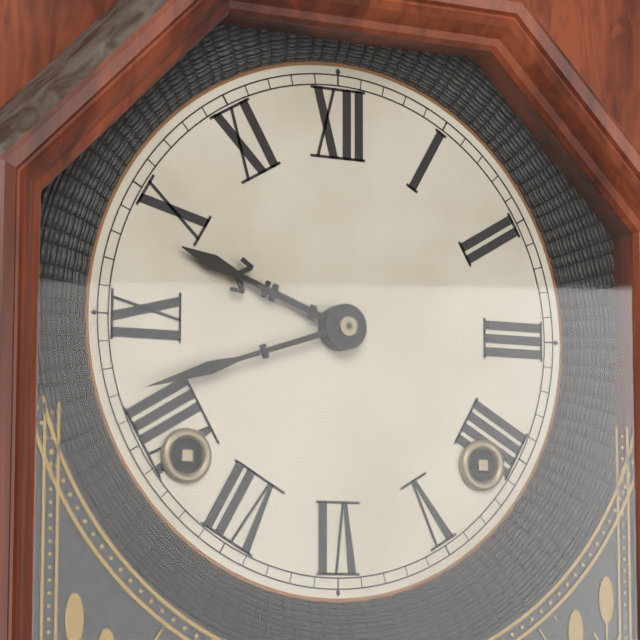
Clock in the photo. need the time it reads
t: 9:42
